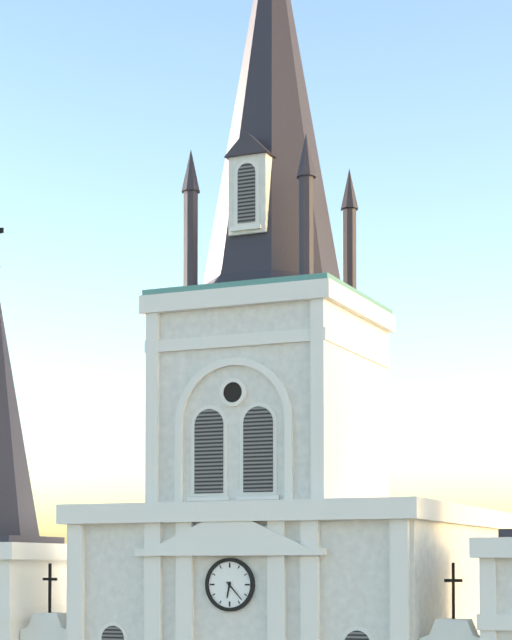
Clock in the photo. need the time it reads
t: 6:23
